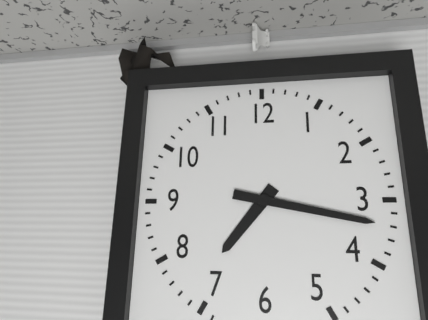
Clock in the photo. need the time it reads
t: 7:17
